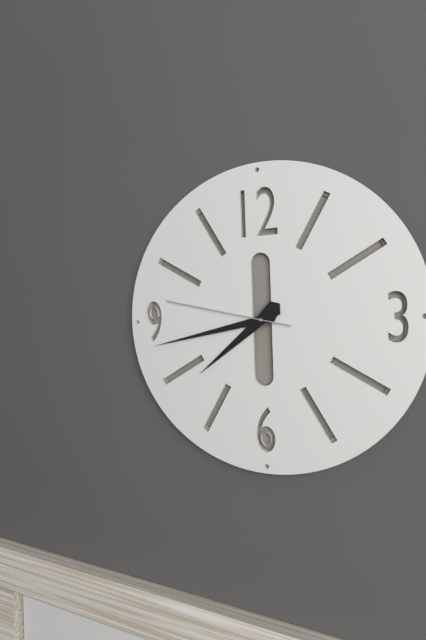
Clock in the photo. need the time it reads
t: 7:43:47
